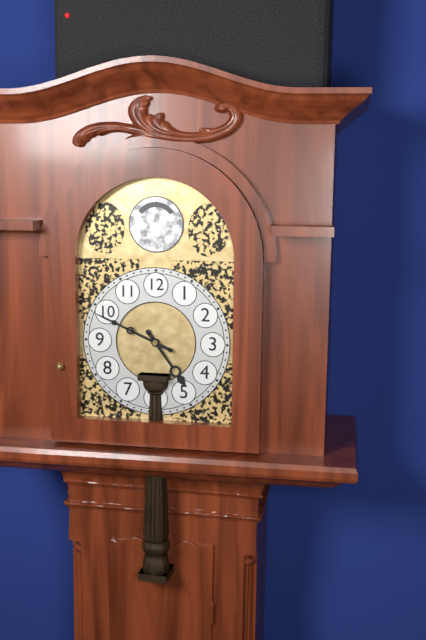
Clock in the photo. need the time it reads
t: 4:49
